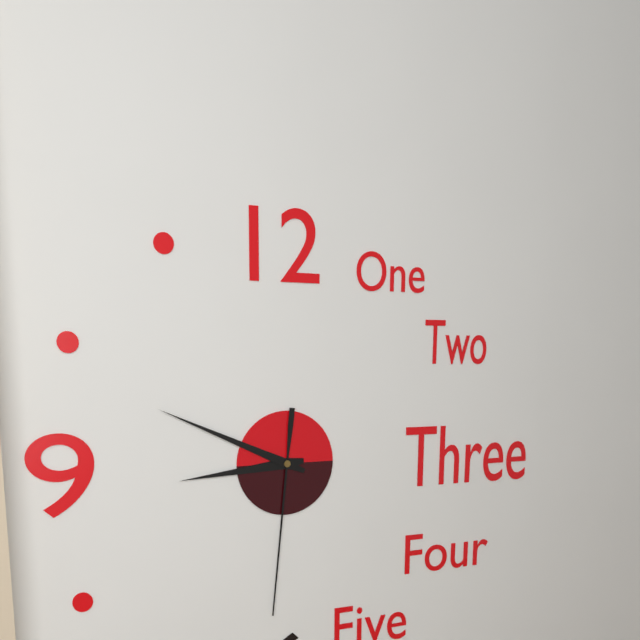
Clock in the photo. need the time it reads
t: 8:49:31
